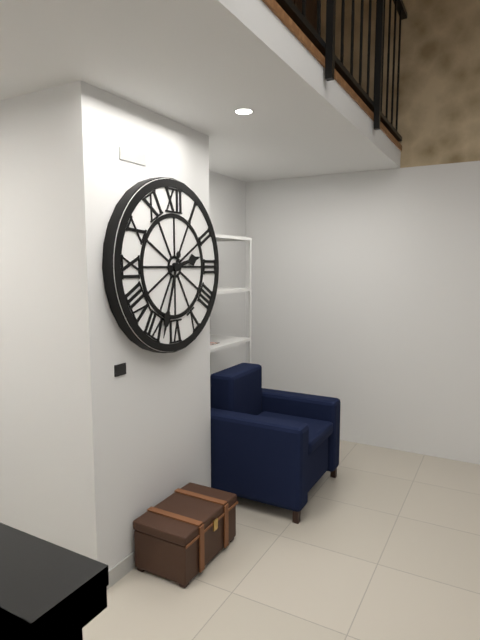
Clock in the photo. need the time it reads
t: 2:33
